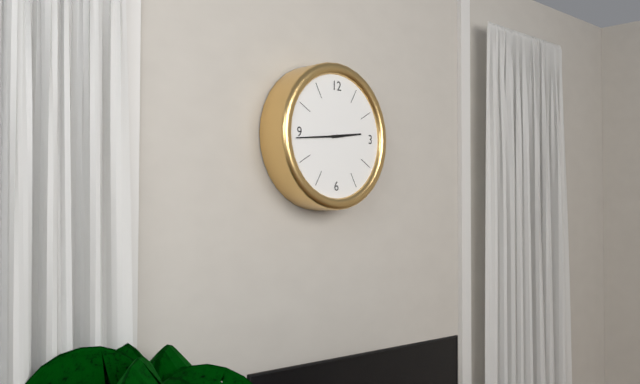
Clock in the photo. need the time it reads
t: 2:44
